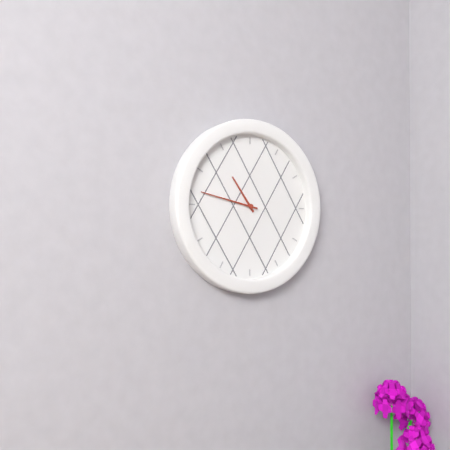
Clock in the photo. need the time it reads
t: 10:47
